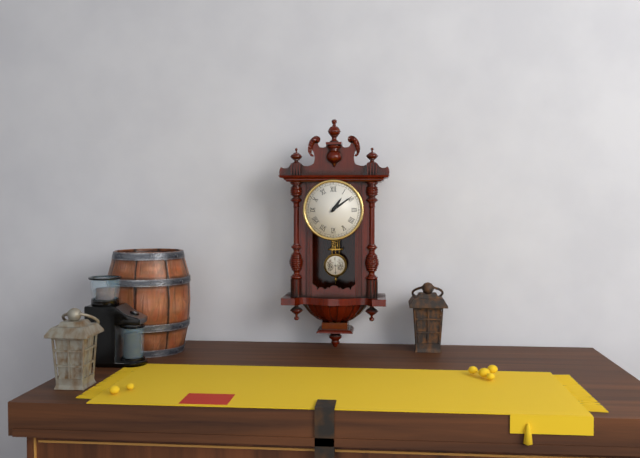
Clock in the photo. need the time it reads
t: 1:09
